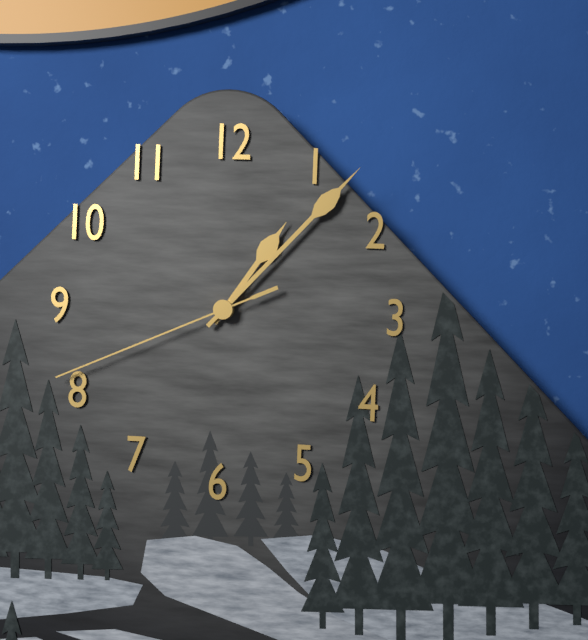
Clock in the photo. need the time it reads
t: 1:07:41
